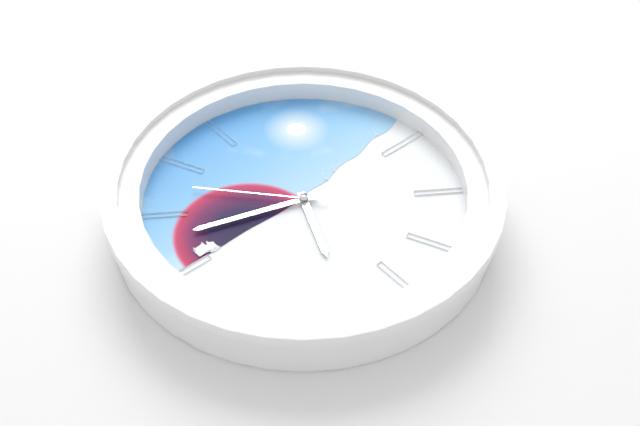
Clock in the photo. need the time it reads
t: 6:48:53
